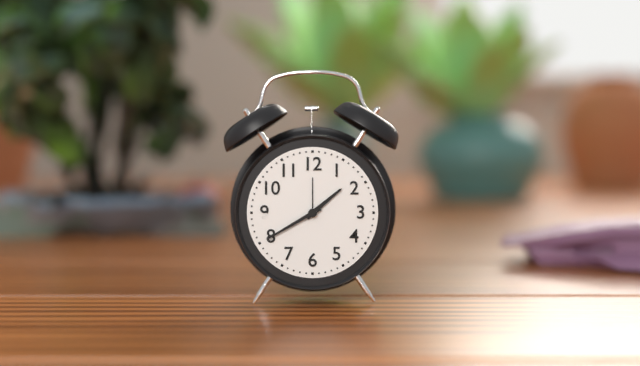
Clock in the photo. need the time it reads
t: 1:40
